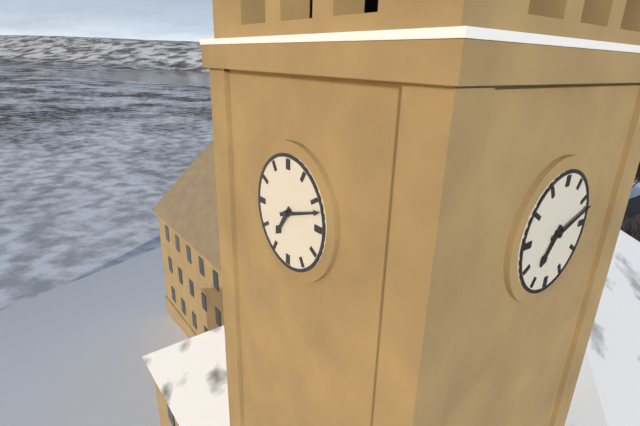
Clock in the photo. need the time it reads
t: 7:12
